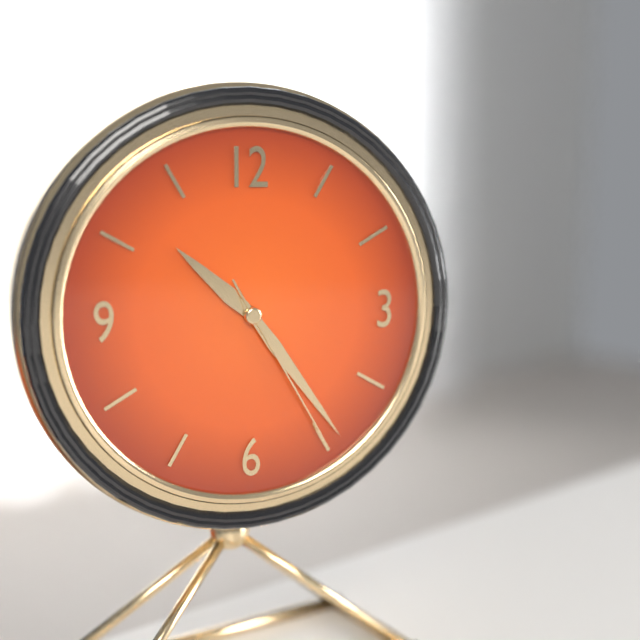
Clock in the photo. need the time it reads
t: 10:24:25
